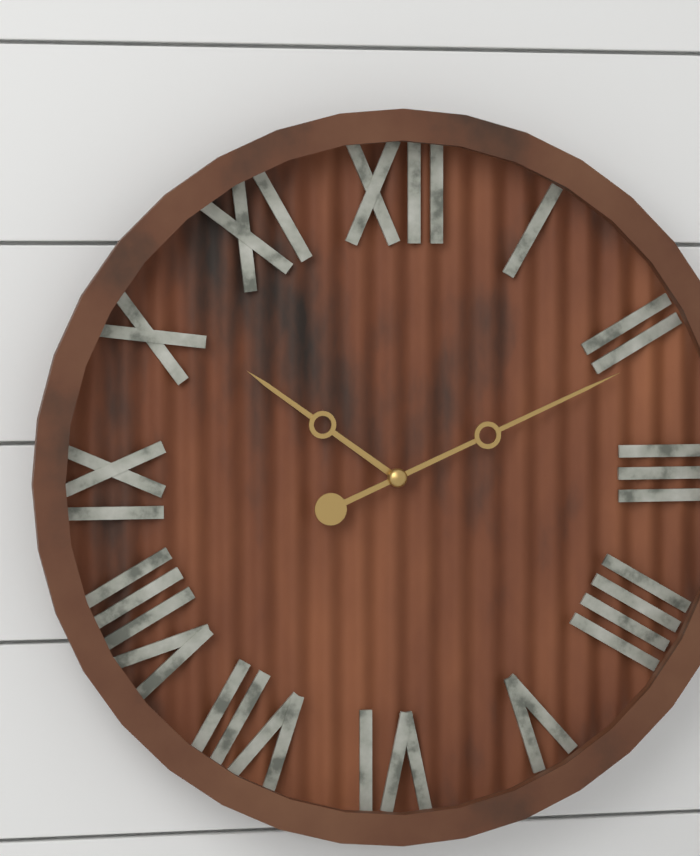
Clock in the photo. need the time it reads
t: 10:11
